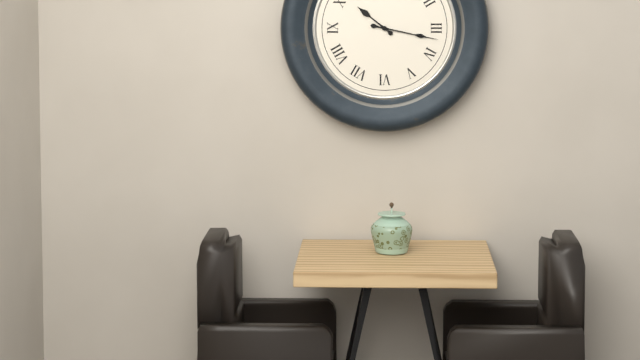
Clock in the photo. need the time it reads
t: 10:17
